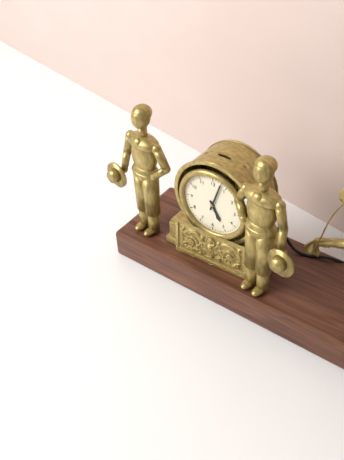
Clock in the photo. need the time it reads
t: 5:03
